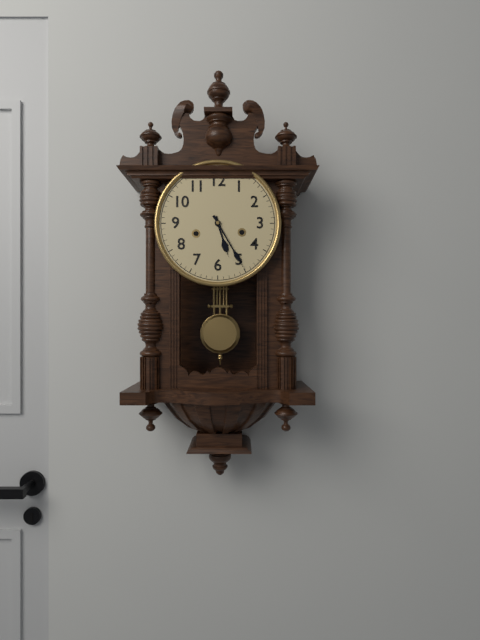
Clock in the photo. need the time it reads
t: 5:25
